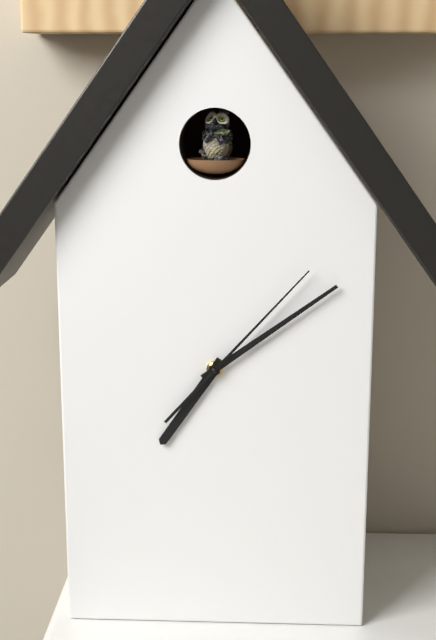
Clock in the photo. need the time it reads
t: 7:09:07
